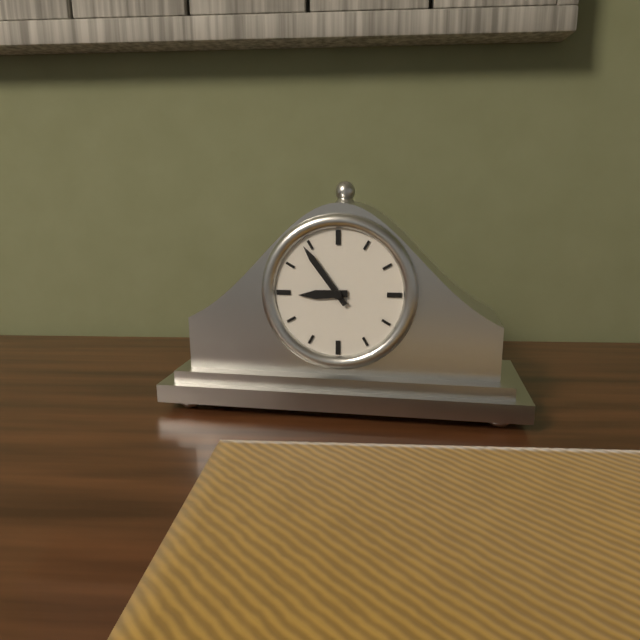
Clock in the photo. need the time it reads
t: 8:54
